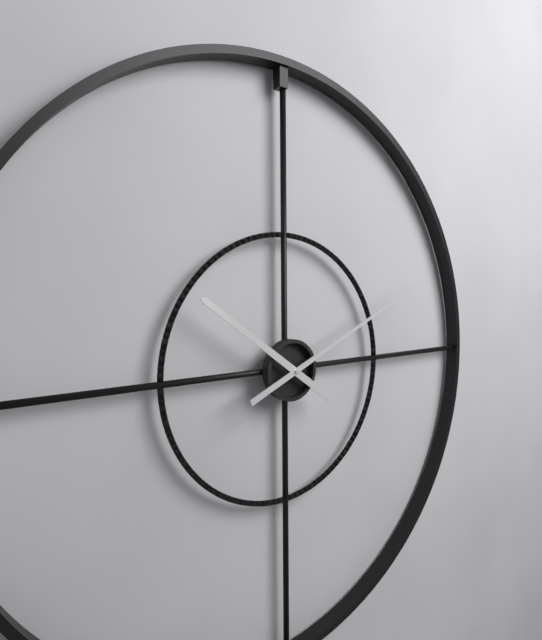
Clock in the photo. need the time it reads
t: 10:11
